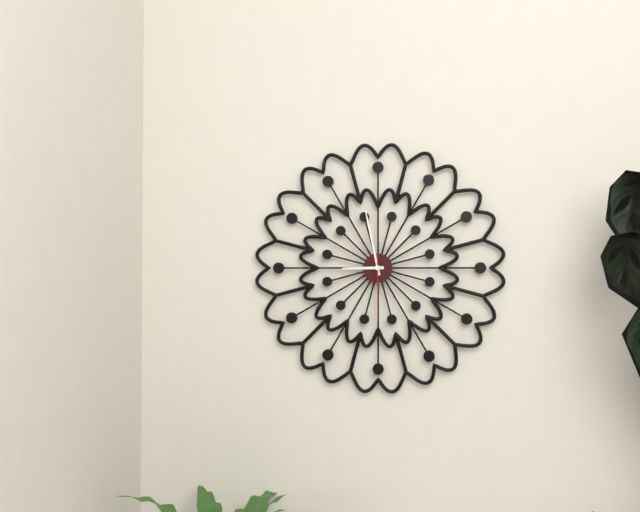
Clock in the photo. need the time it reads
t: 8:58:30
